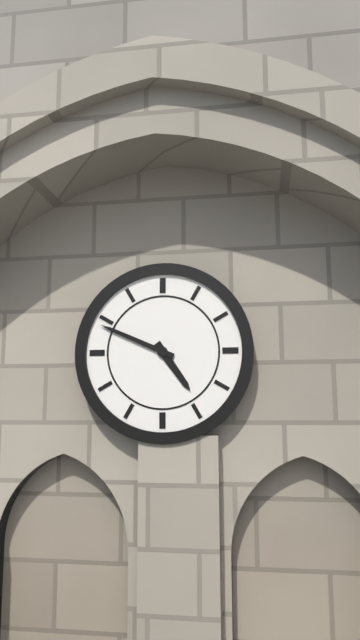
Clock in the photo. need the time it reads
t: 4:49
